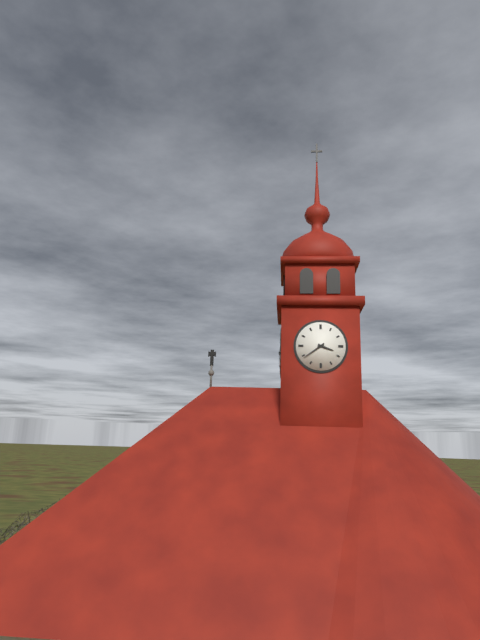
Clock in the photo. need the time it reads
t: 3:39
